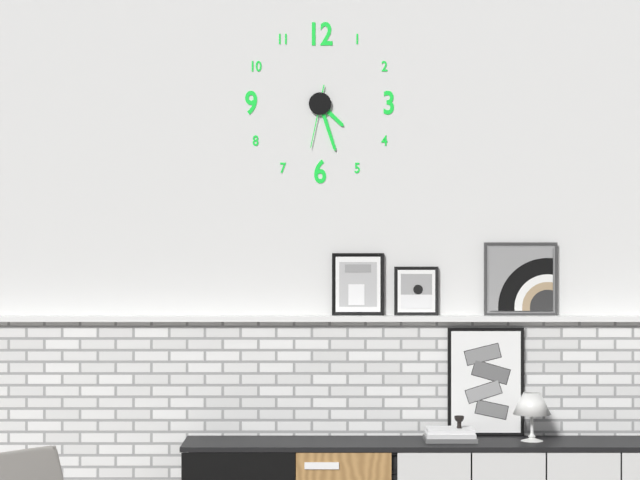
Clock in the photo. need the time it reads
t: 4:27:32
